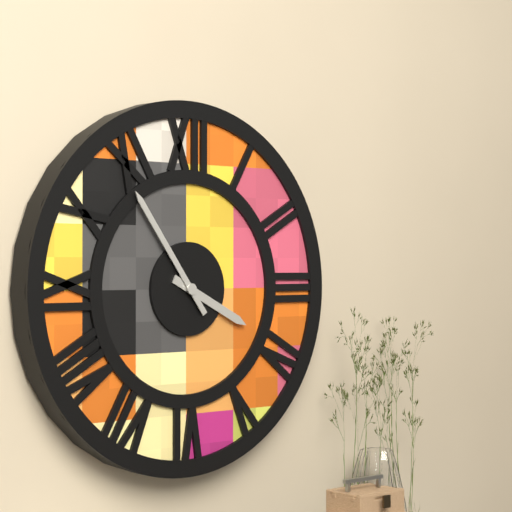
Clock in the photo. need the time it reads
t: 3:54
